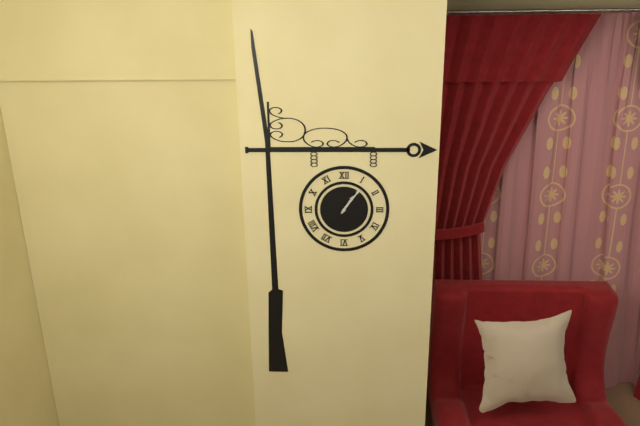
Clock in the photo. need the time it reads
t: 1:06
